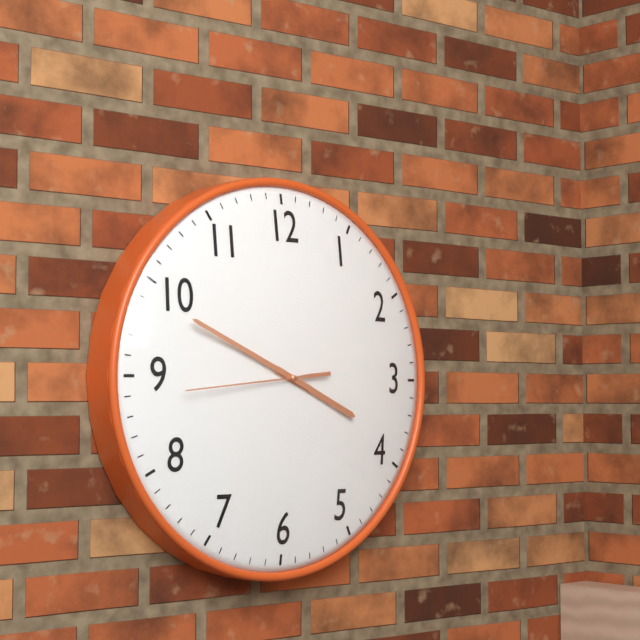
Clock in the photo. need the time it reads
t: 3:49:44
